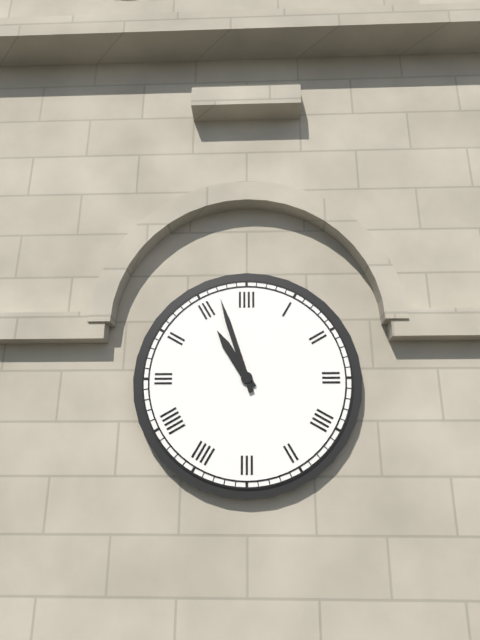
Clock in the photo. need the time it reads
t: 10:57
